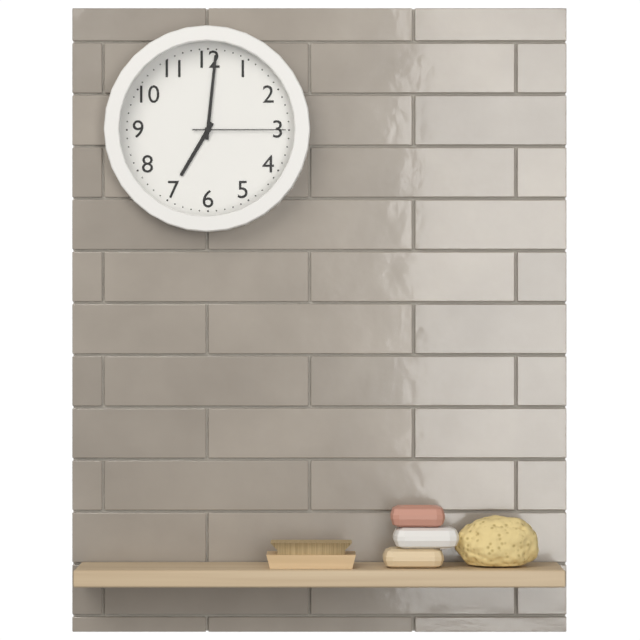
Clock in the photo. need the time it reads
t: 7:01:15
